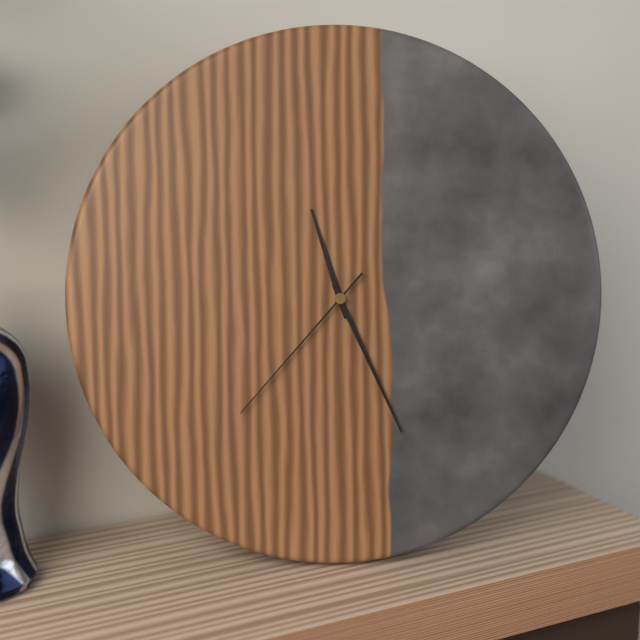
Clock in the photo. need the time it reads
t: 11:26:37
